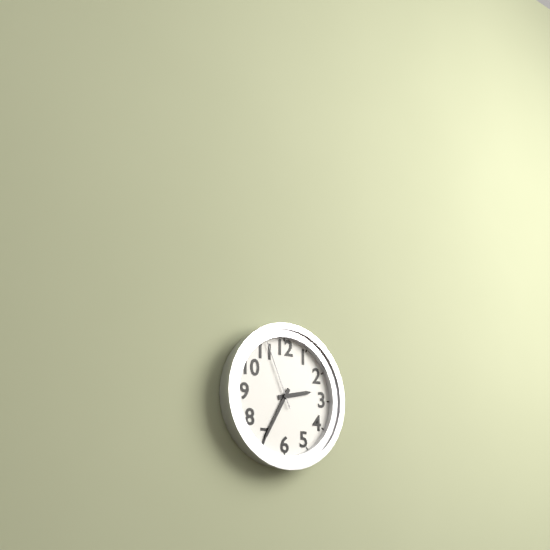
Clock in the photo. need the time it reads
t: 2:35:56
